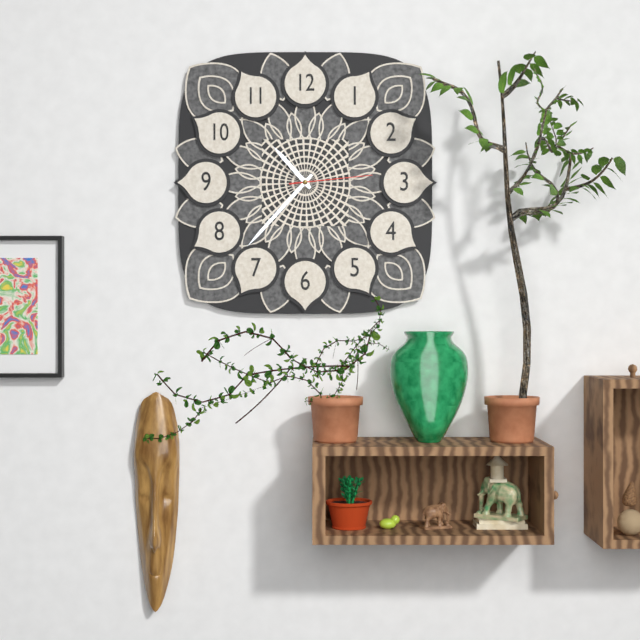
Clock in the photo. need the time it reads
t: 10:37:14
